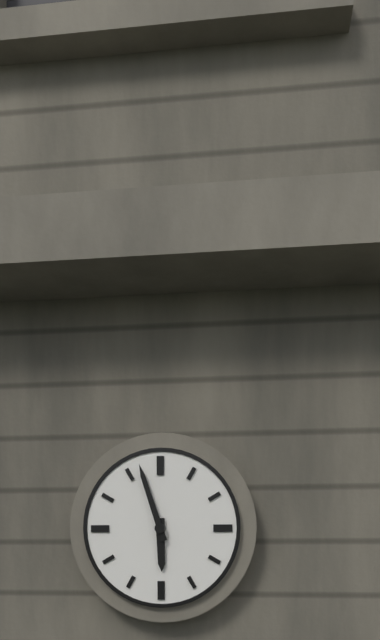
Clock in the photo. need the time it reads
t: 5:57
